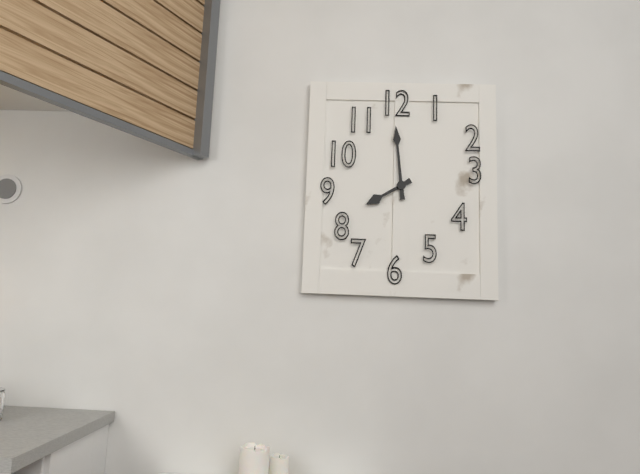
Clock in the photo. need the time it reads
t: 7:59
